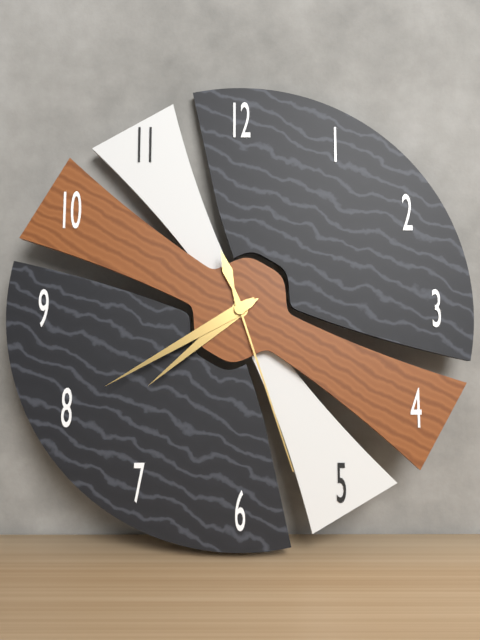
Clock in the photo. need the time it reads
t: 7:40:27
